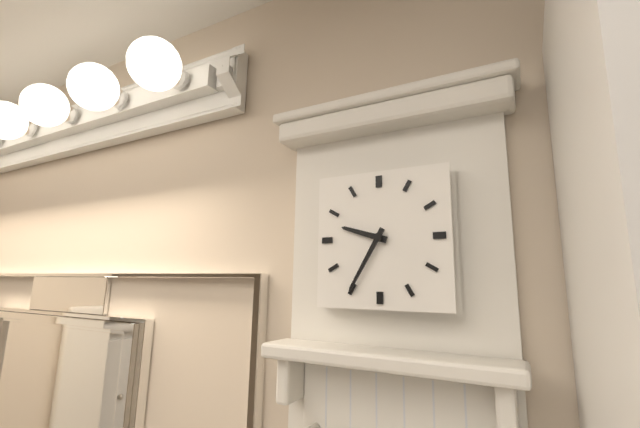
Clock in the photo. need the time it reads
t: 9:35
